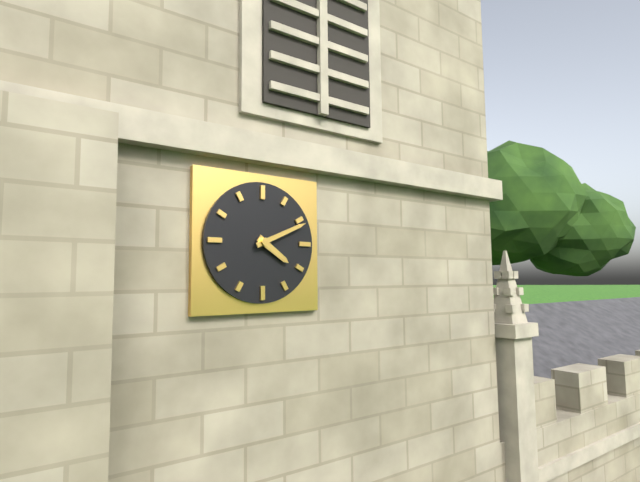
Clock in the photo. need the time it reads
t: 4:11
